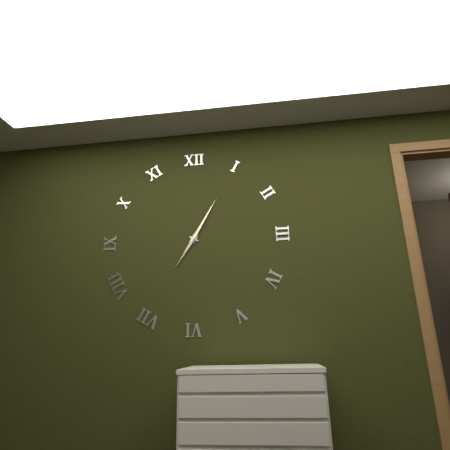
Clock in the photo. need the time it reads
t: 7:05
